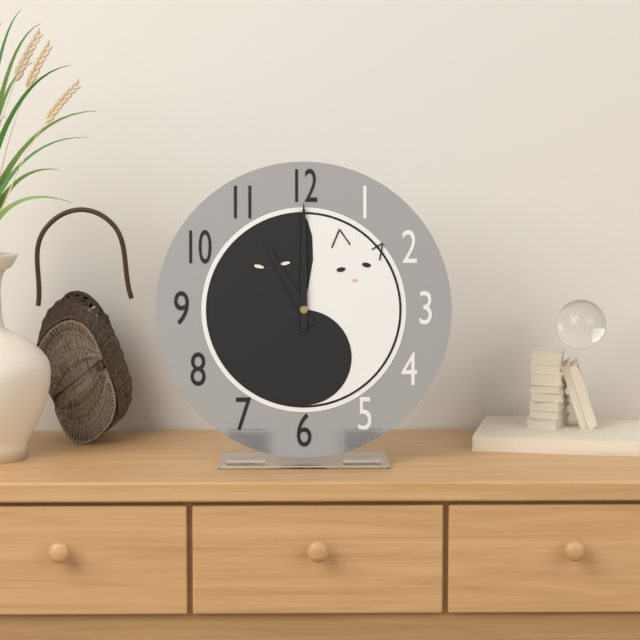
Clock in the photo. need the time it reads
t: 11:00
